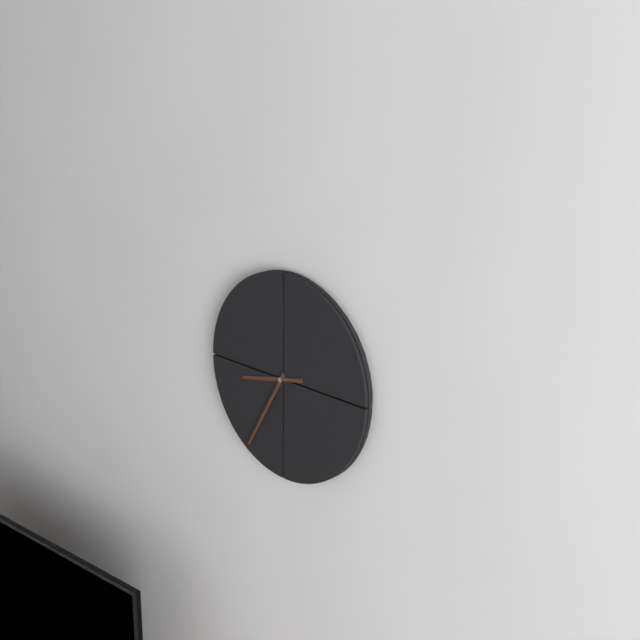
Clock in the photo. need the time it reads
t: 8:35
